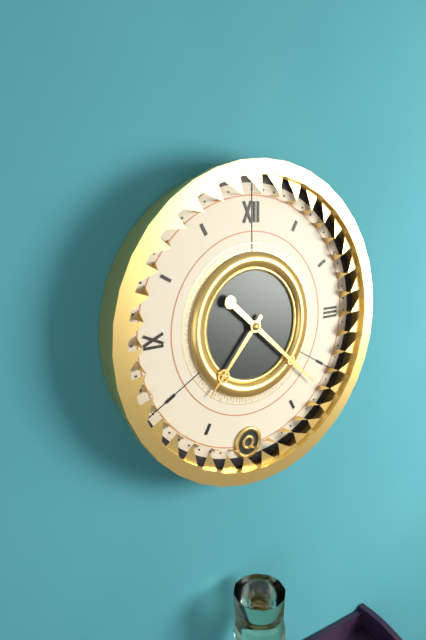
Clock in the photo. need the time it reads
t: 7:22
